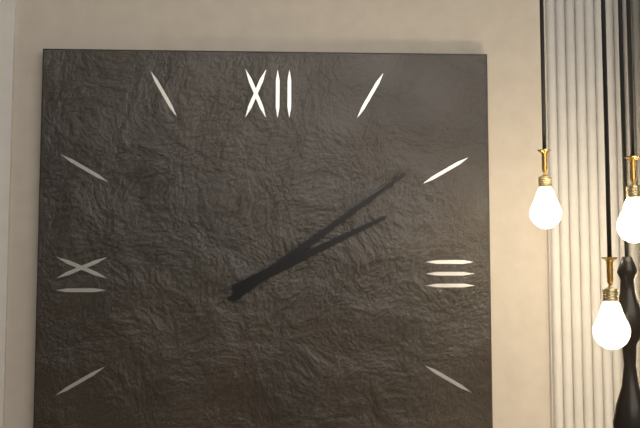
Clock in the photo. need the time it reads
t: 2:09
